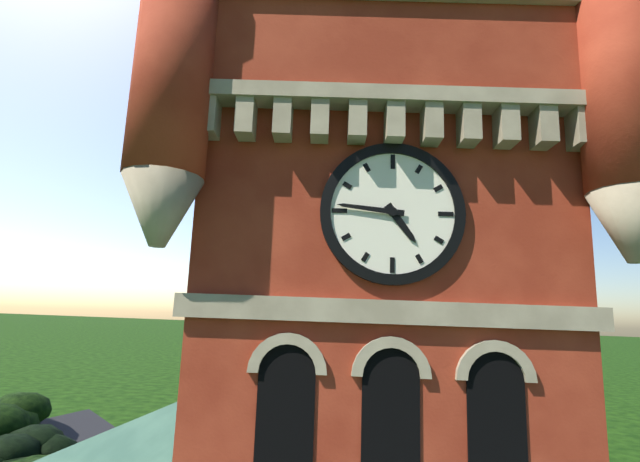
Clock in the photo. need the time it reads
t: 4:46
